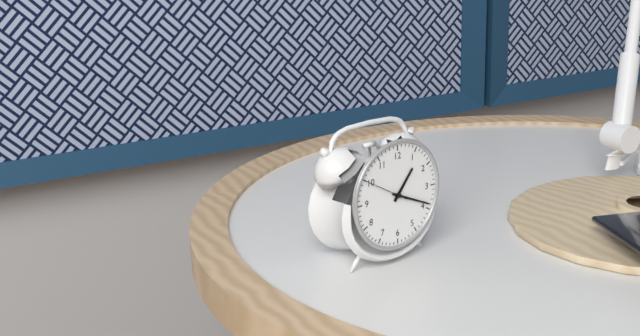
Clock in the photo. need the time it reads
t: 1:19
